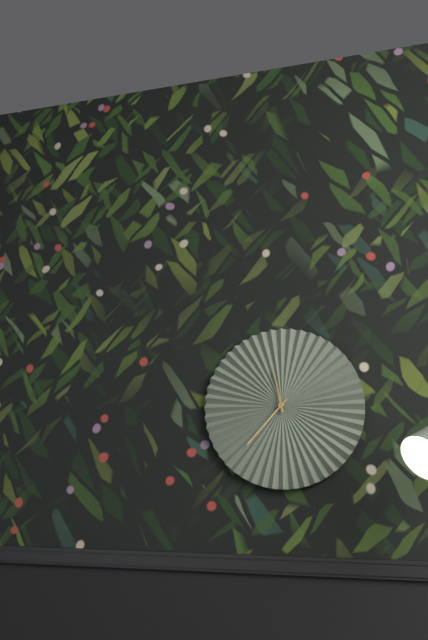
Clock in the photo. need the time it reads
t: 11:37
